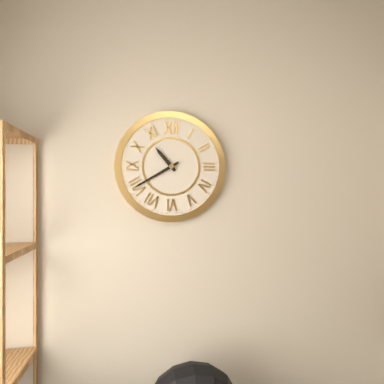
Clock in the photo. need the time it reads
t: 10:40
